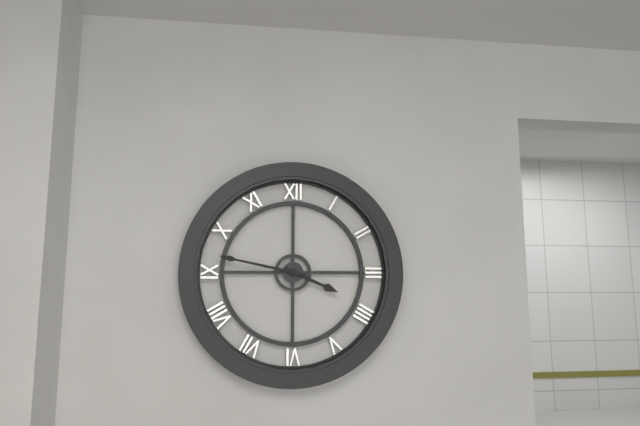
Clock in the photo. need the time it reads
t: 3:47
